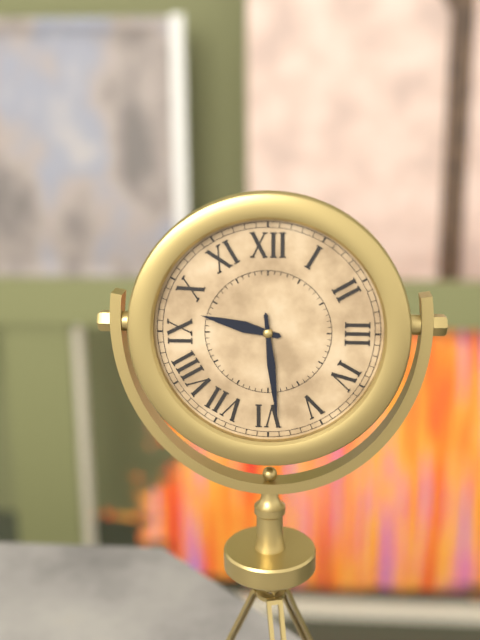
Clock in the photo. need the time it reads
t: 9:29
